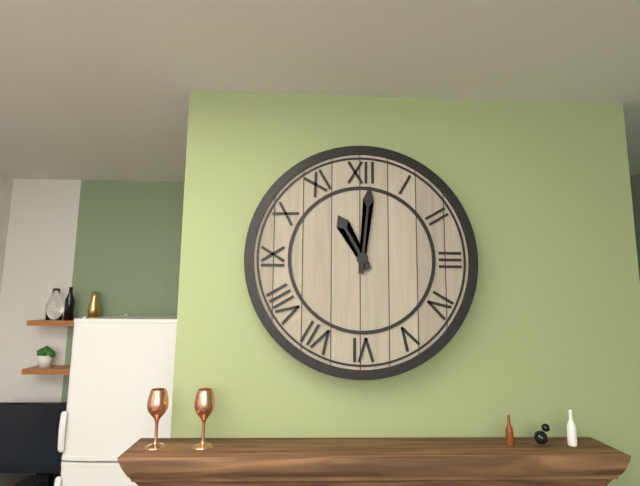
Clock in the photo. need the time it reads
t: 11:01
